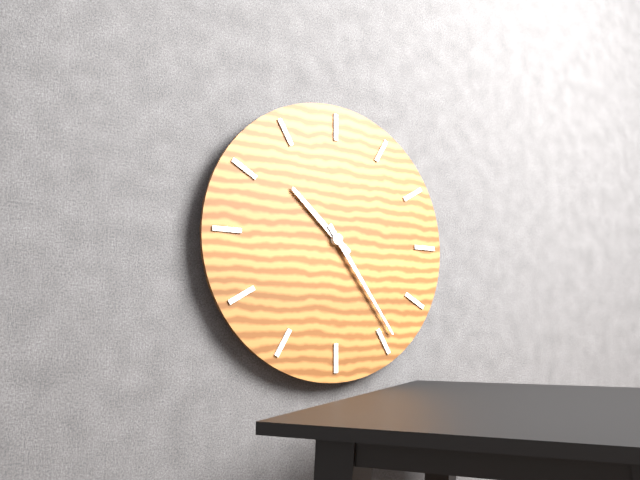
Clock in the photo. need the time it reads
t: 10:24
